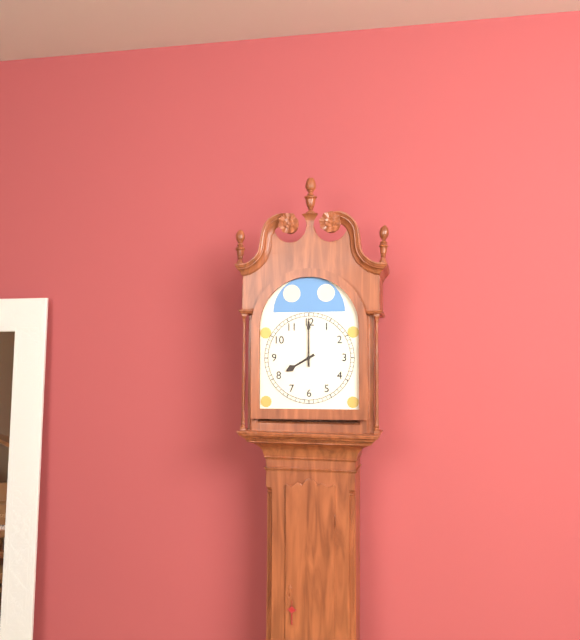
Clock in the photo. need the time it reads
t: 8:00
